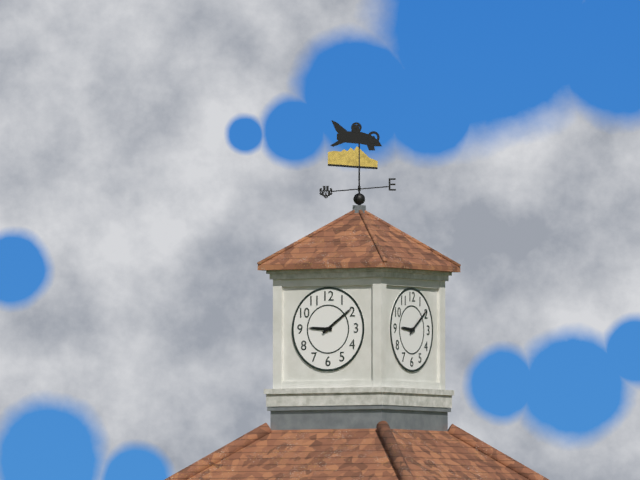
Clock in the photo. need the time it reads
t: 9:09
